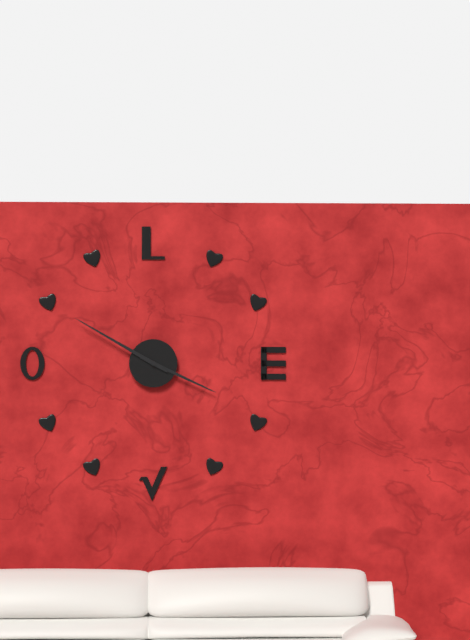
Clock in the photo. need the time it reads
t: 3:50
